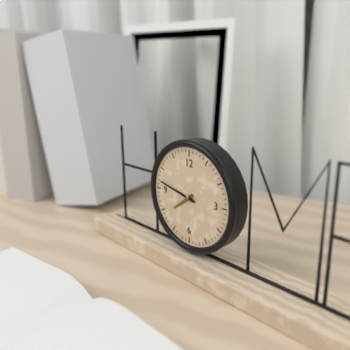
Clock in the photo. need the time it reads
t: 7:47
